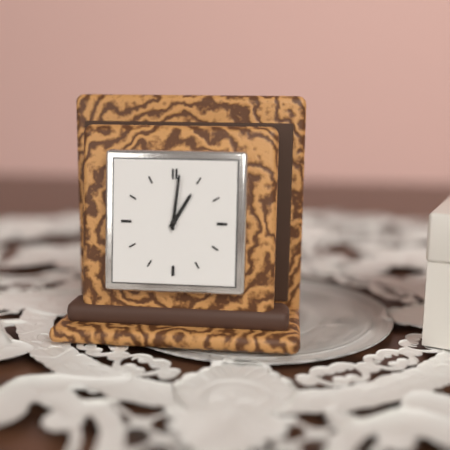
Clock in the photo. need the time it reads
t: 1:01
